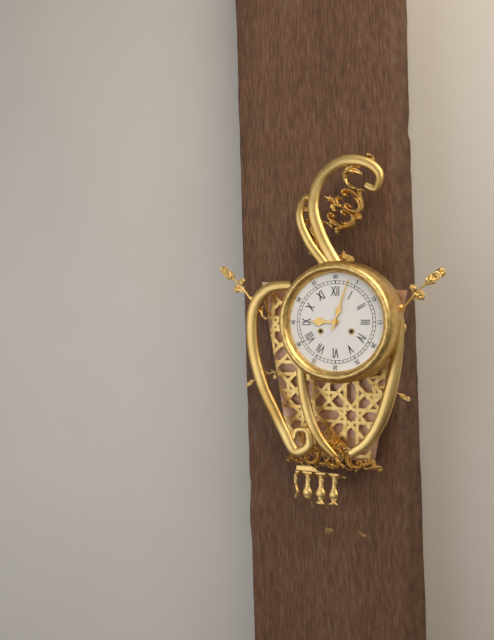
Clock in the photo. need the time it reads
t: 9:03
